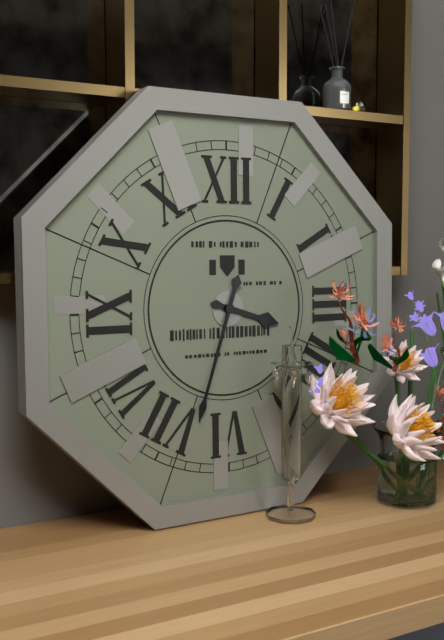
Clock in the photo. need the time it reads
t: 3:33
